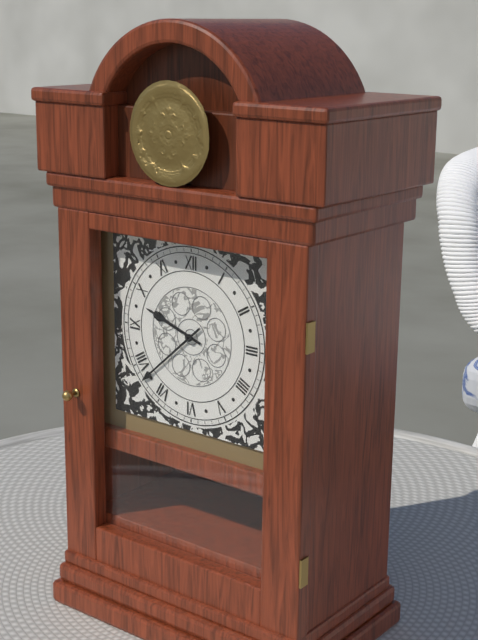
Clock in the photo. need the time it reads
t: 9:38
